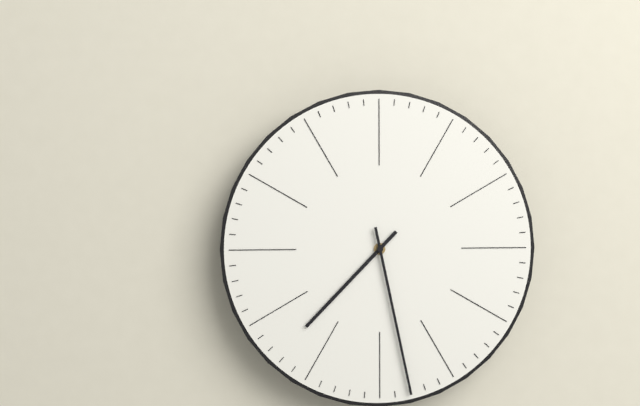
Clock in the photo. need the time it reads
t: 7:28
